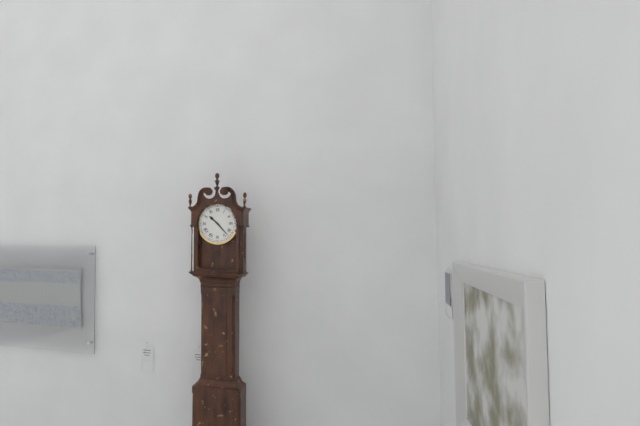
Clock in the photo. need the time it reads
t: 10:23
